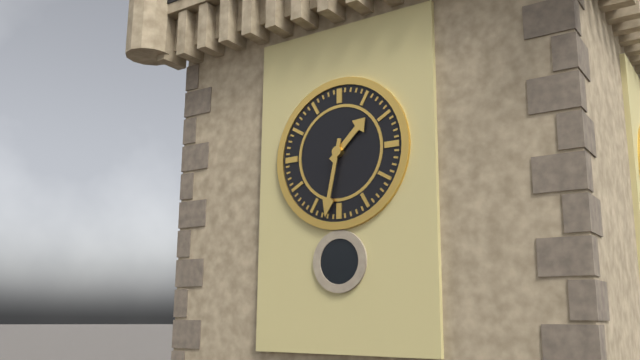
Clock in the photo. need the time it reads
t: 1:32
